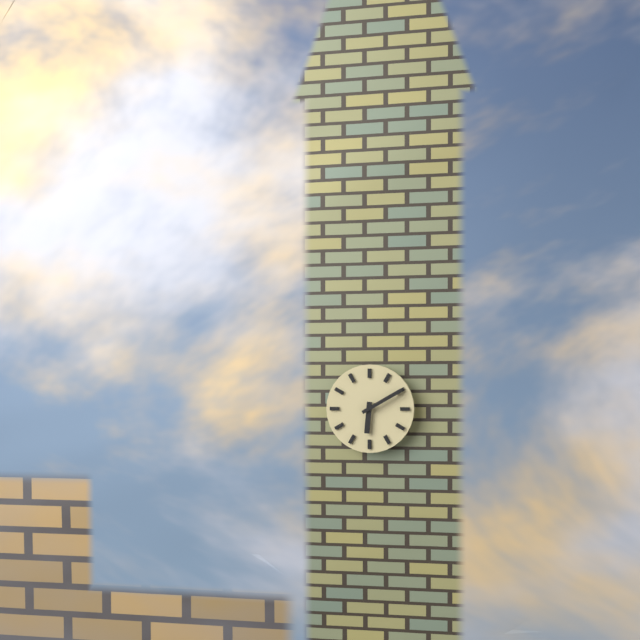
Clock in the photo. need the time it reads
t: 6:10
